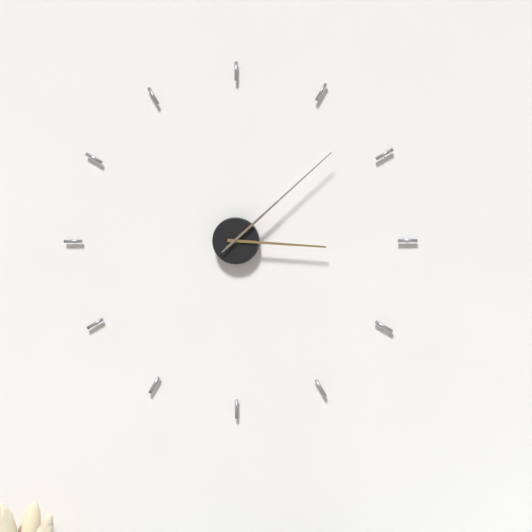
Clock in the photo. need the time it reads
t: 3:08:08
